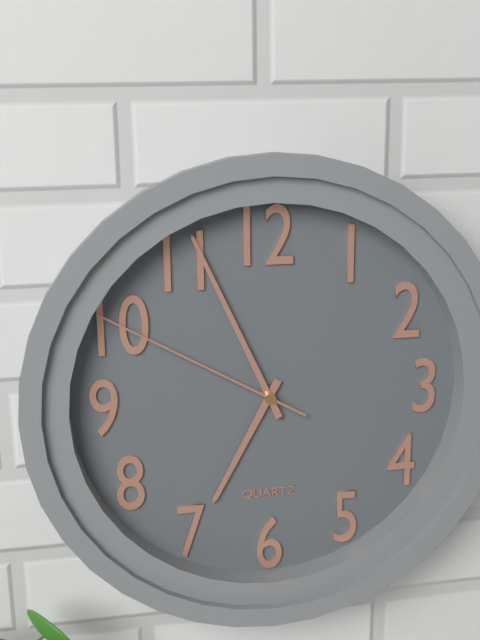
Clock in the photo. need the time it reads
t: 6:56:50
